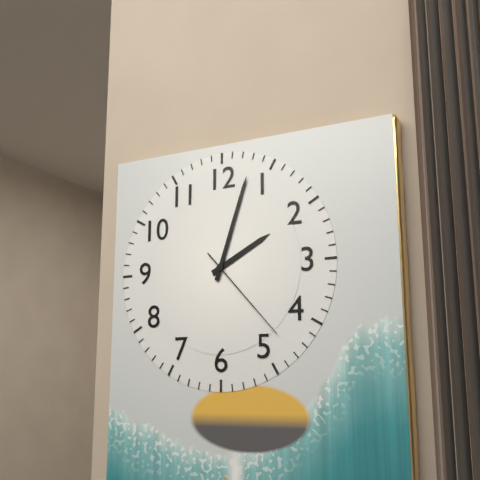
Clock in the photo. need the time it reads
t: 2:03:23
